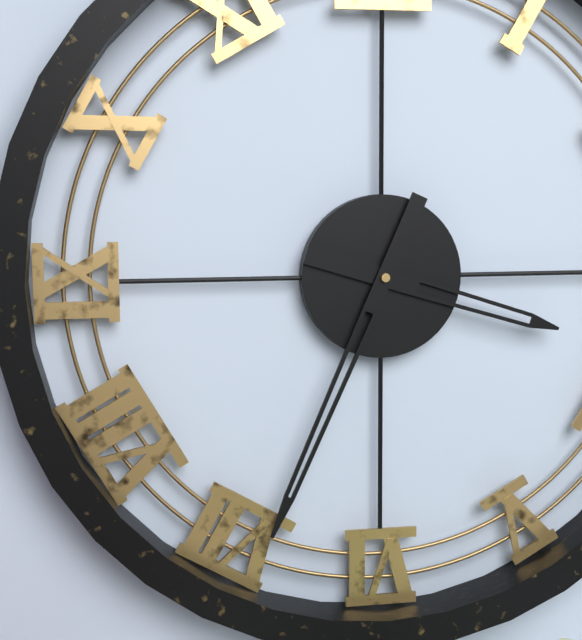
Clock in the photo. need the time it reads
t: 3:34
